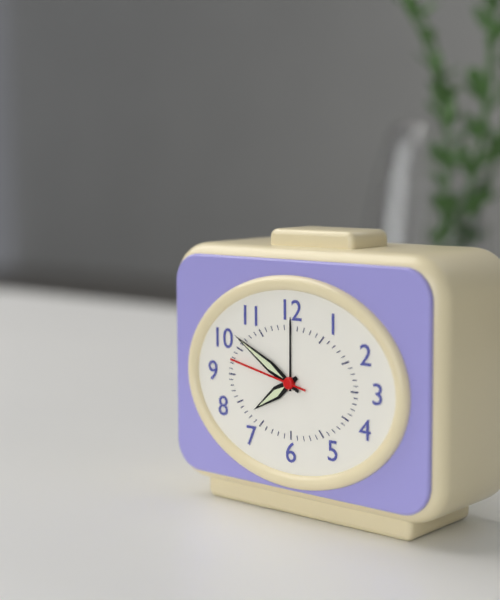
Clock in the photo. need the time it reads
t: 7:50:47
